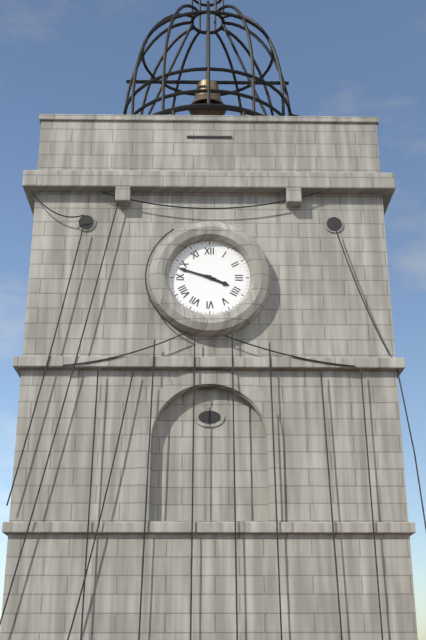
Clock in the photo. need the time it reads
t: 3:48
